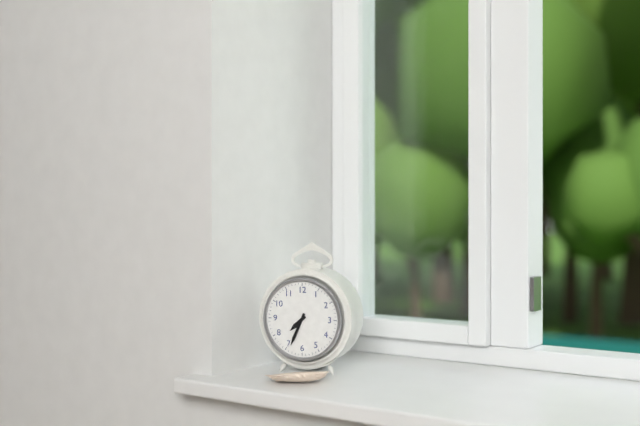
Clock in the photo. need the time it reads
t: 7:34
